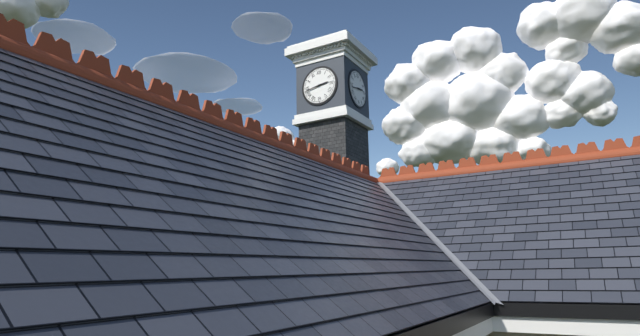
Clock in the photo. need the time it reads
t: 2:43
